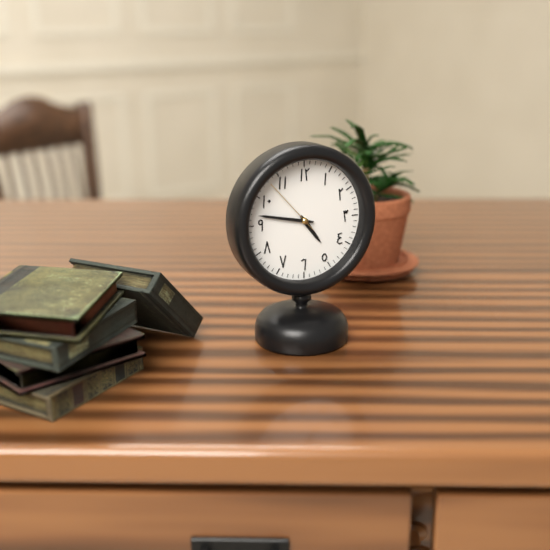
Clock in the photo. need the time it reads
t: 4:47:53
